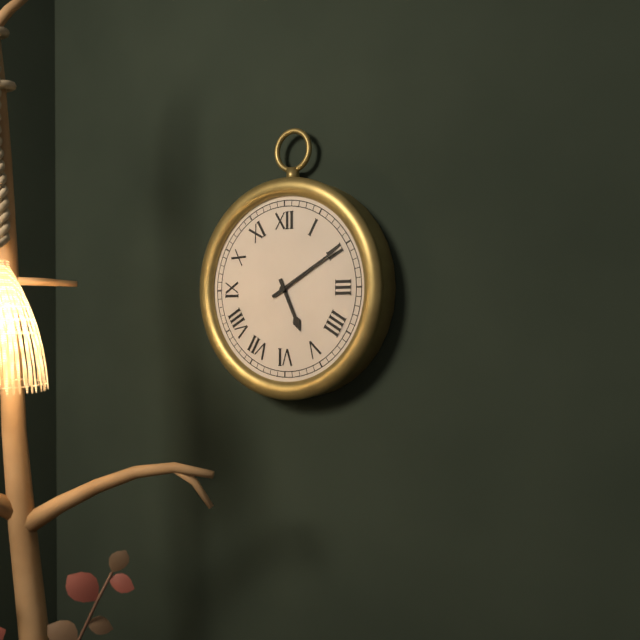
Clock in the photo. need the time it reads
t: 5:10
